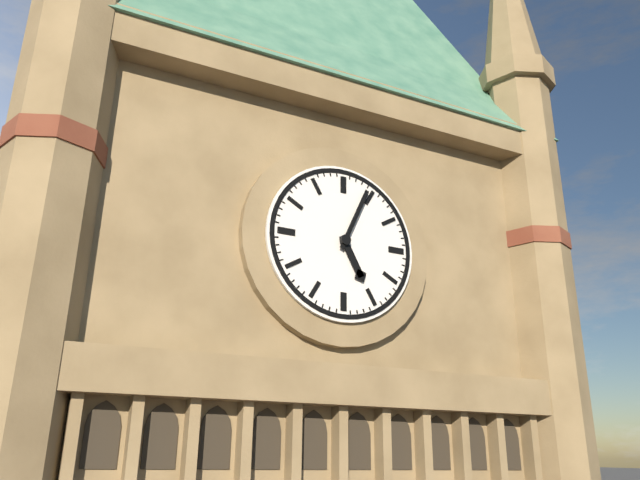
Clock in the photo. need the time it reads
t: 5:04
